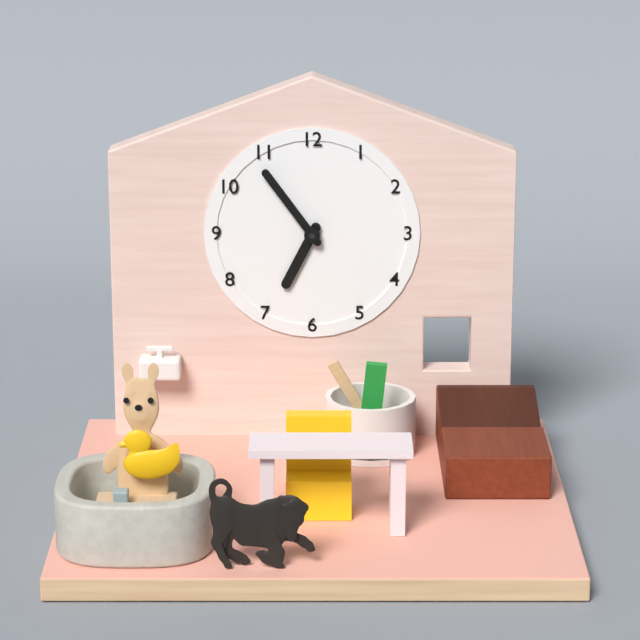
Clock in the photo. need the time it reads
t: 6:54
